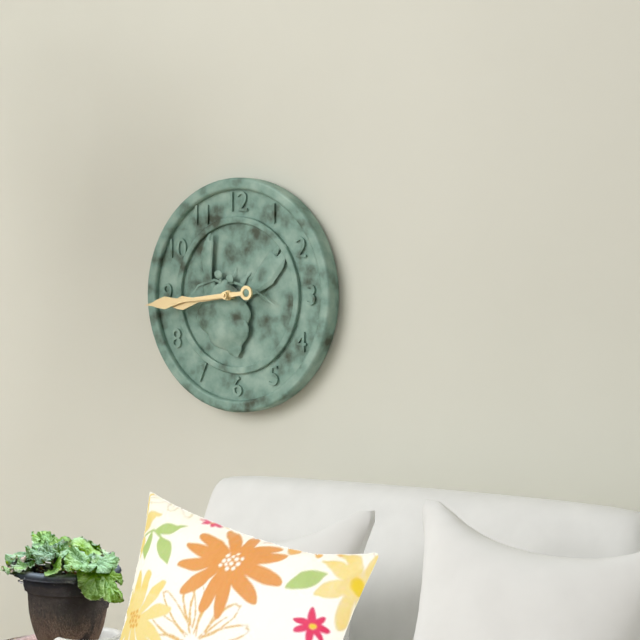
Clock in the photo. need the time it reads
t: 8:44
